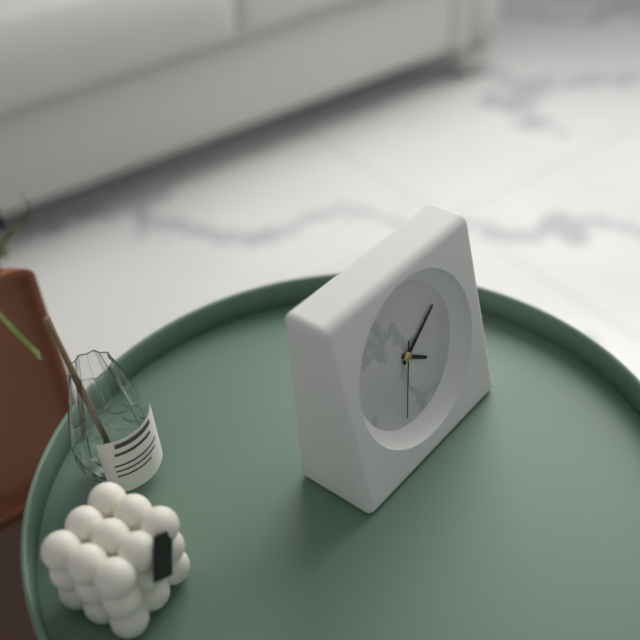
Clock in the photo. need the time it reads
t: 4:10:33
